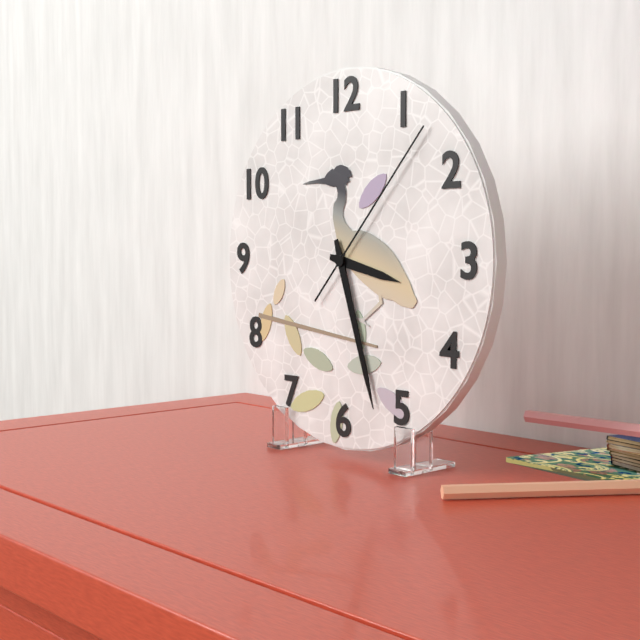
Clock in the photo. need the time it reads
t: 3:27:07
